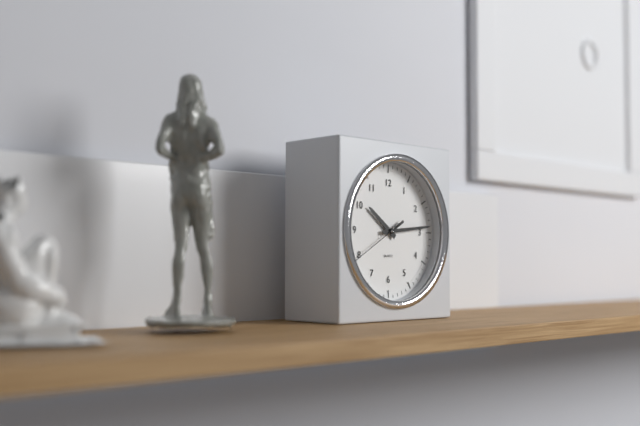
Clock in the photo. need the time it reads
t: 10:14:40
